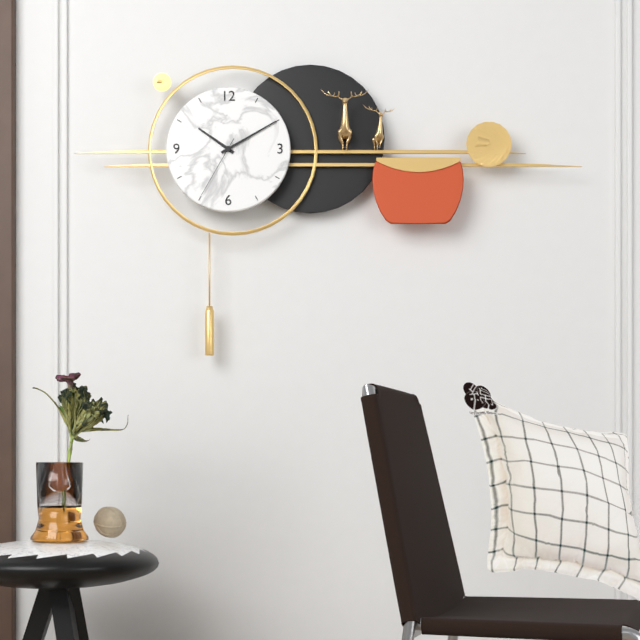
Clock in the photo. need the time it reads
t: 10:10:35
